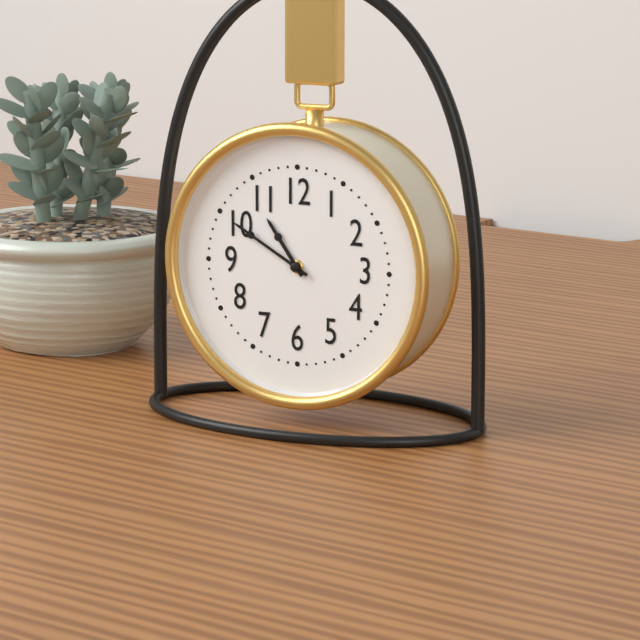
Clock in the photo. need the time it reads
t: 10:50
